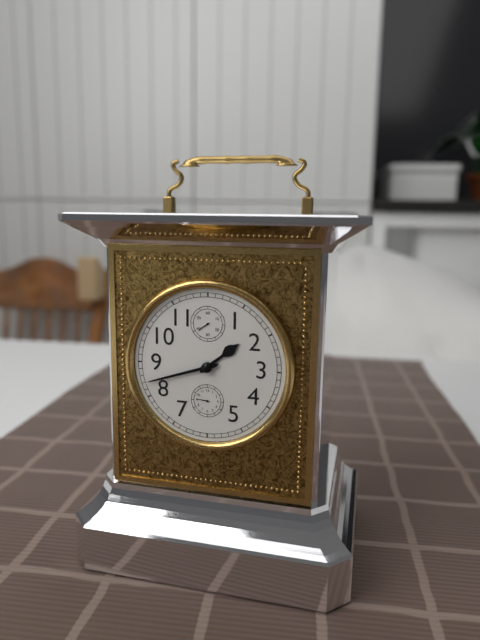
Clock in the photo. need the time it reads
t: 1:42
